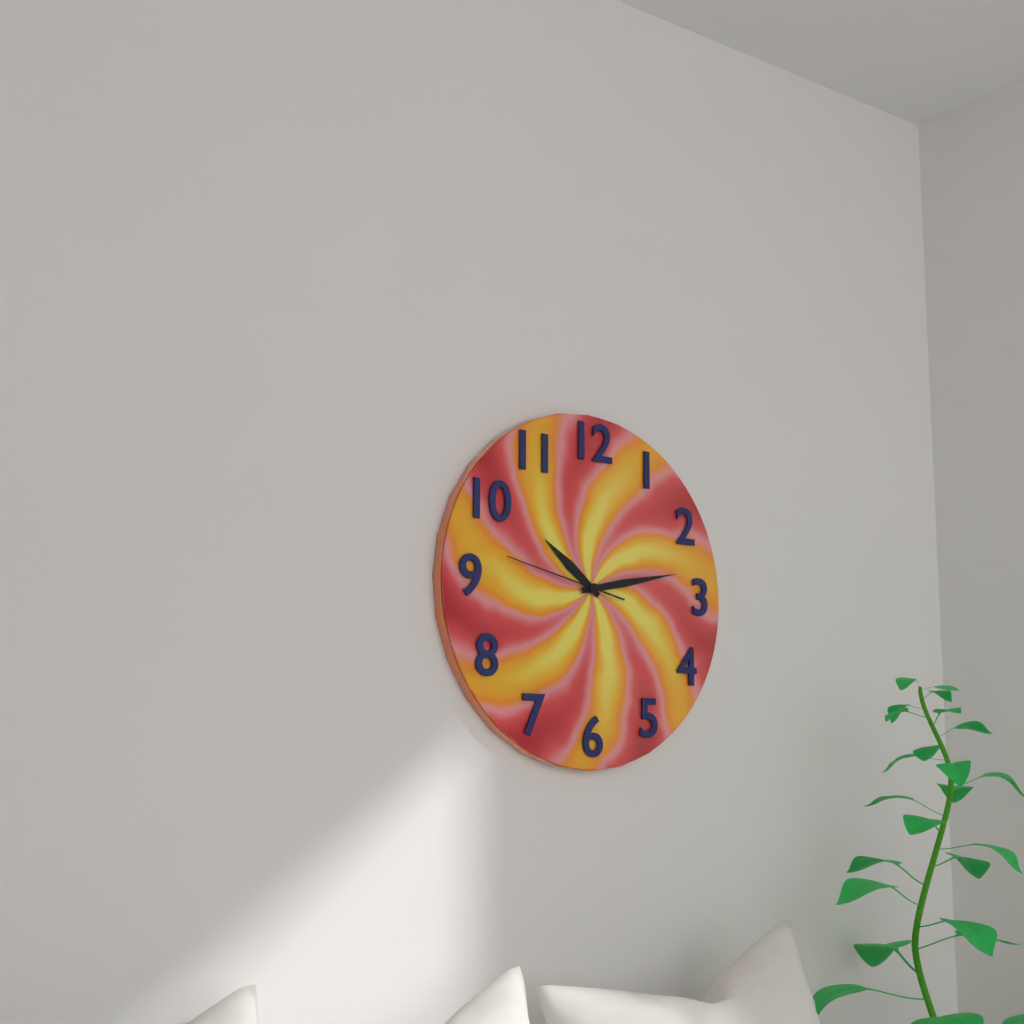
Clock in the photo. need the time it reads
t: 10:13:47
